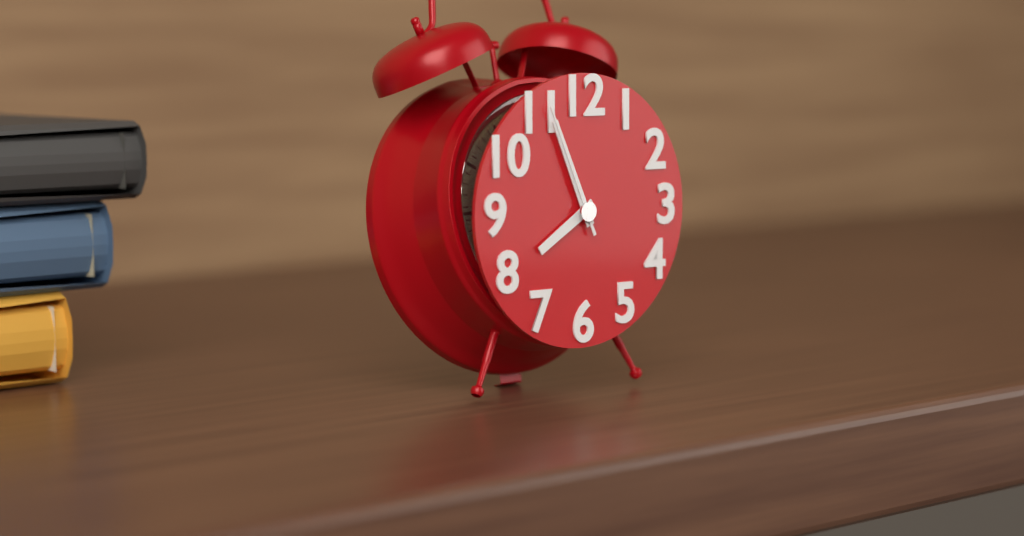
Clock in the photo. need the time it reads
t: 7:56:56
